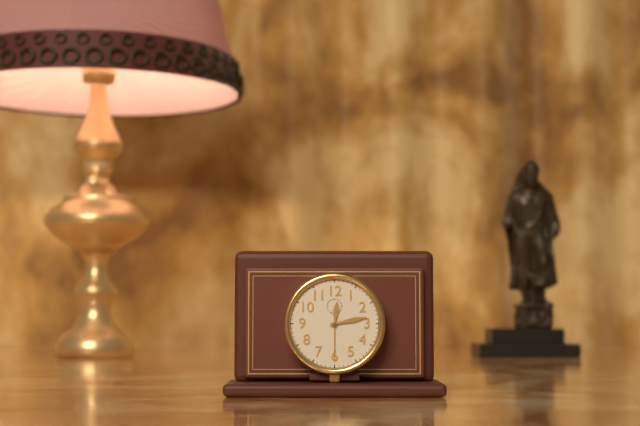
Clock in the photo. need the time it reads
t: 12:13
